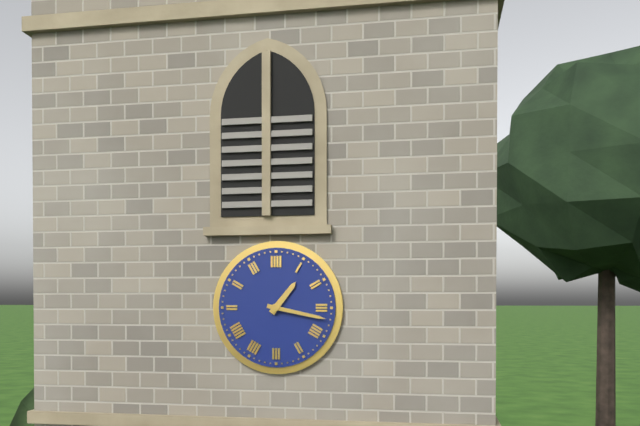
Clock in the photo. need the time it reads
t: 1:17
